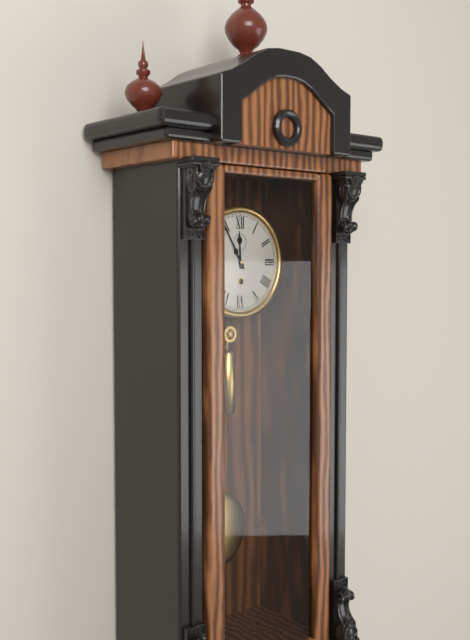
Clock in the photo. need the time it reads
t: 11:55
